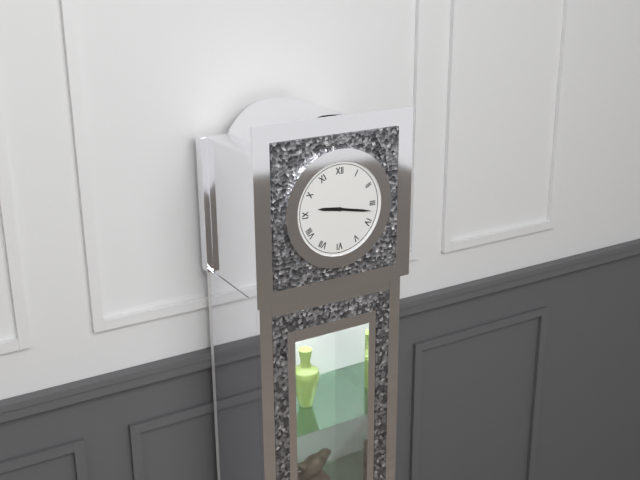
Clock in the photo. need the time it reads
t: 9:17
